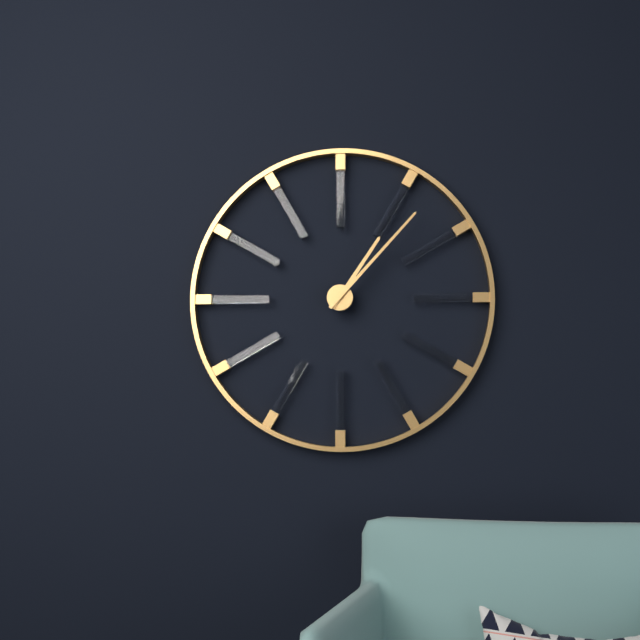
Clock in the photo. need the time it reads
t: 1:07
